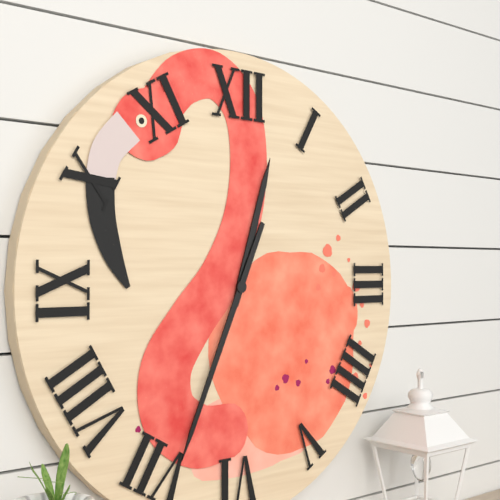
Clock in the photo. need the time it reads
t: 12:34
